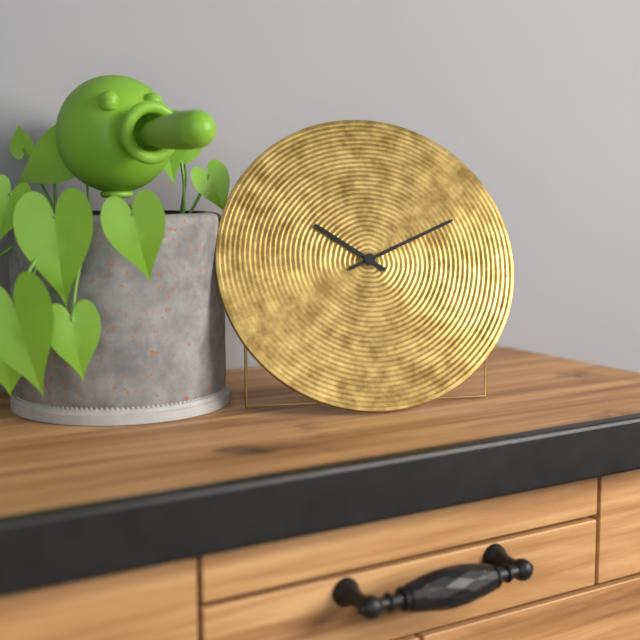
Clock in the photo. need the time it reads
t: 10:11
